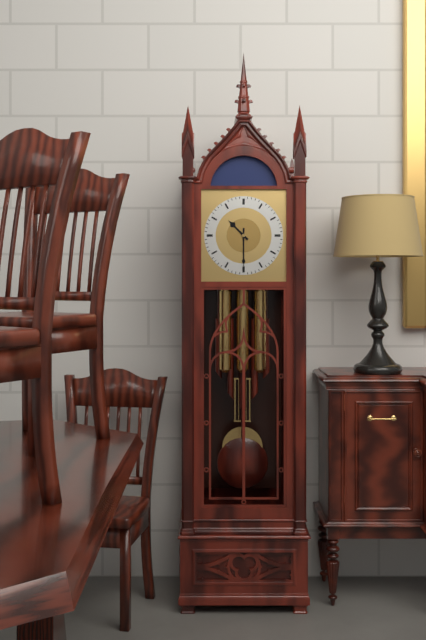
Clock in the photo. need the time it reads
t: 10:30
